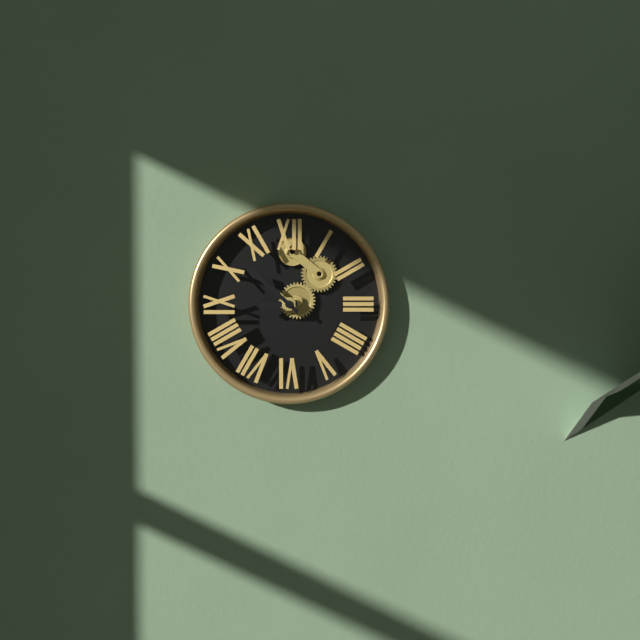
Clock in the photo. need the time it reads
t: 8:52
